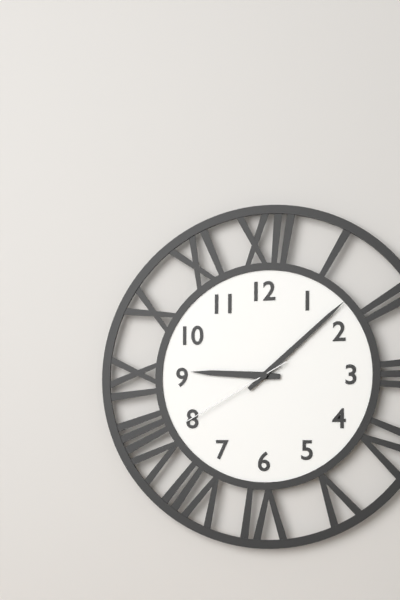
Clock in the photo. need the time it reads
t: 9:08:40
